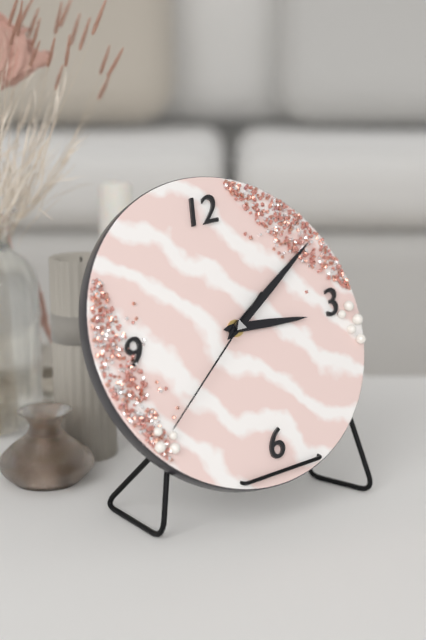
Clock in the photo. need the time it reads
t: 3:10:39
